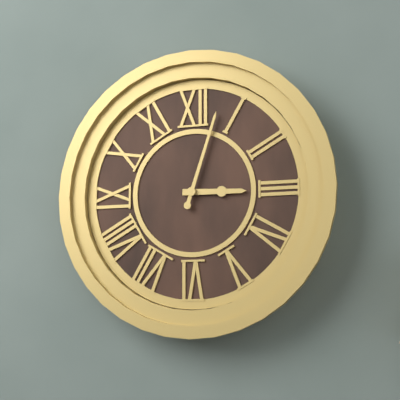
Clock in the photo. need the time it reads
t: 3:03
